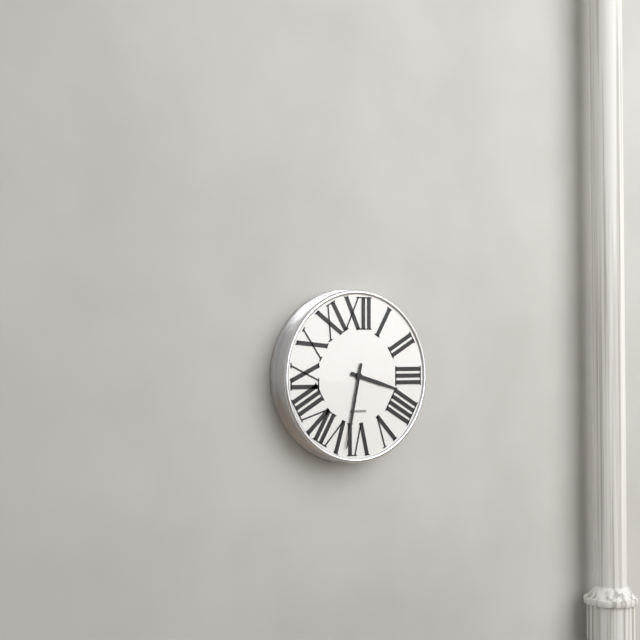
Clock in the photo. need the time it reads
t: 3:32
